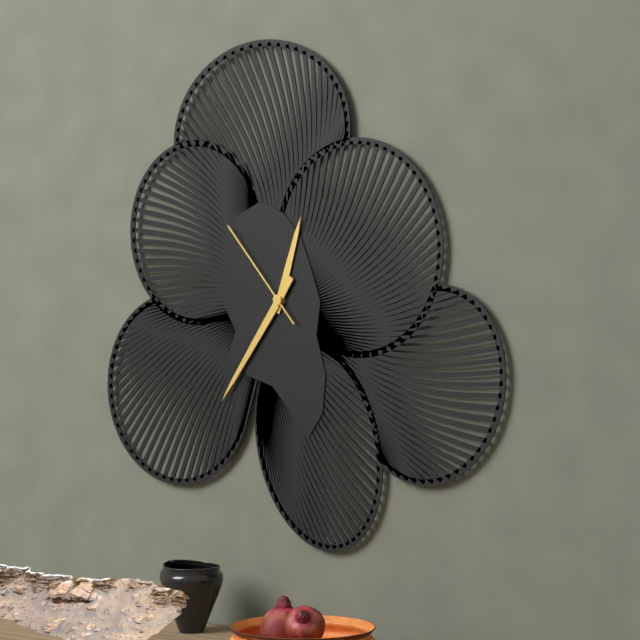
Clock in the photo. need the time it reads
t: 12:36:53
